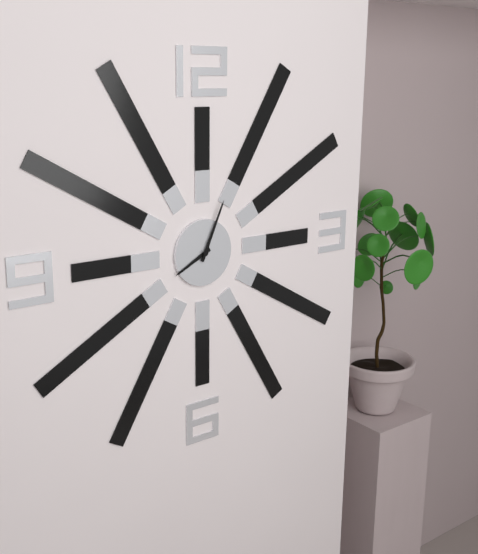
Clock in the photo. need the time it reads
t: 8:04
